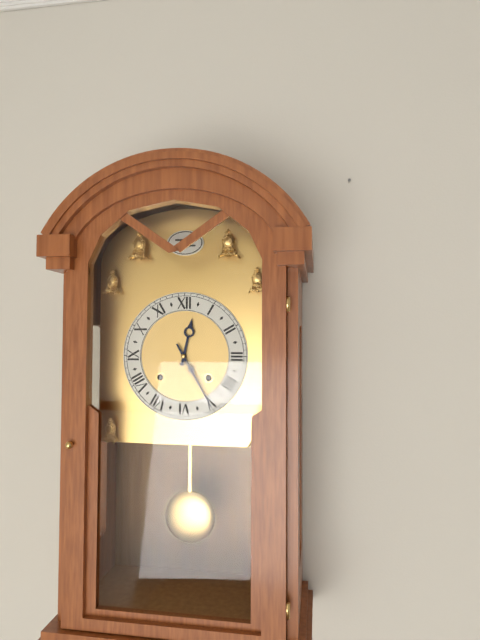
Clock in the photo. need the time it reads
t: 12:25
